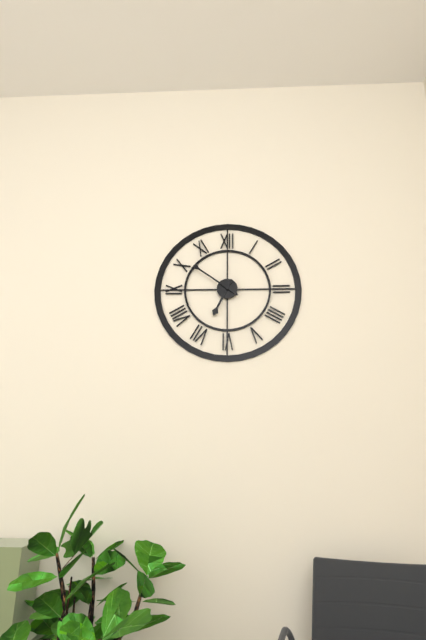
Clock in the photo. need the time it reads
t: 6:51
